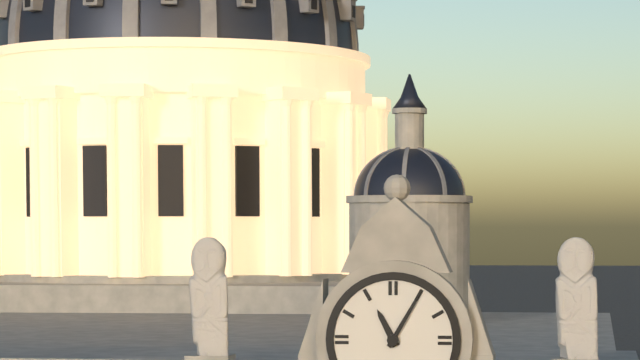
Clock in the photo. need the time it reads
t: 11:05
